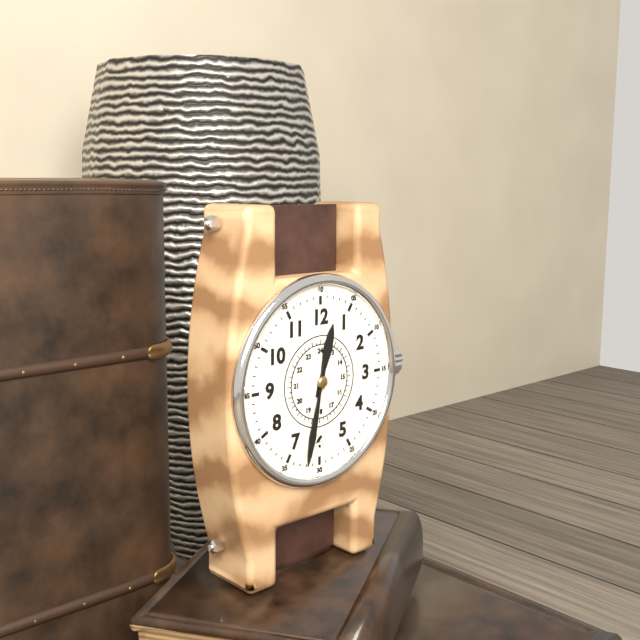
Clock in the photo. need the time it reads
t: 12:32
